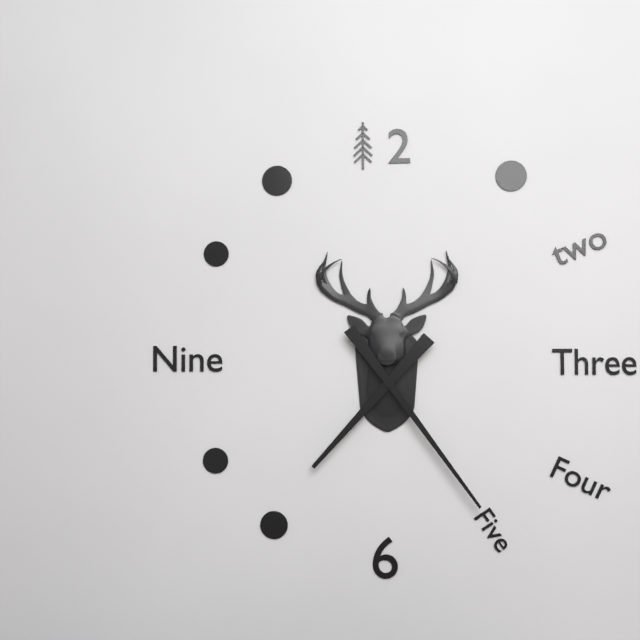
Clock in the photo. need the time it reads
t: 7:24
